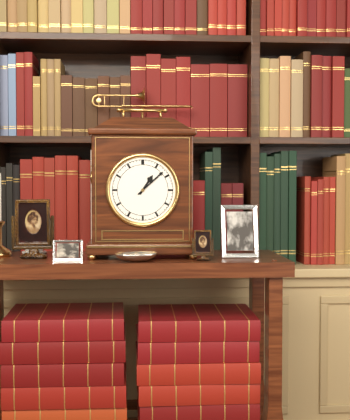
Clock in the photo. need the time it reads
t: 1:08
